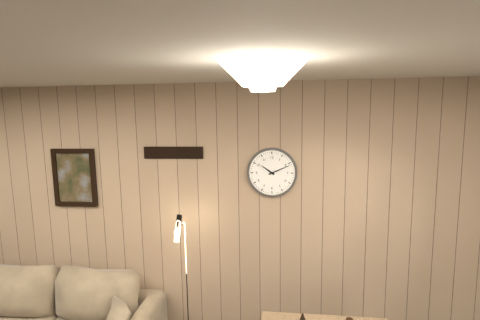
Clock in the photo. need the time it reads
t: 10:11
